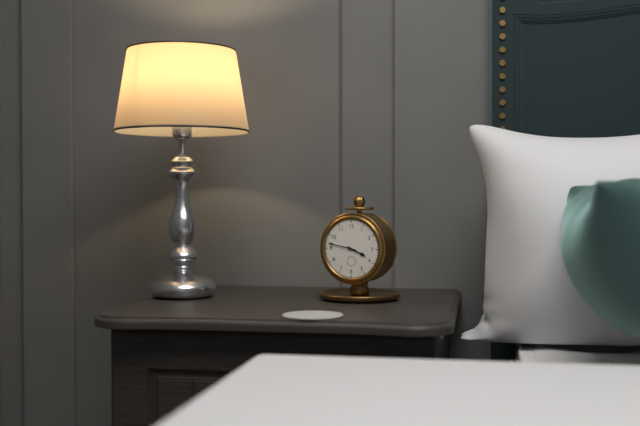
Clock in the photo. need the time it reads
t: 3:47
